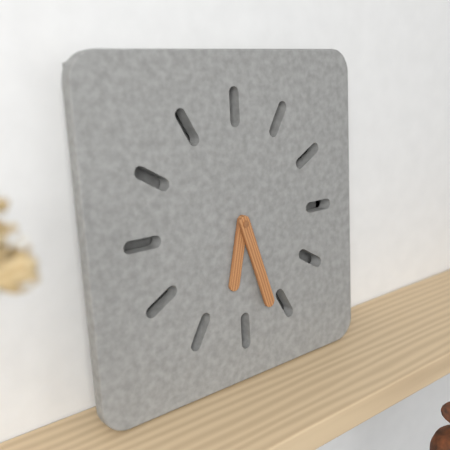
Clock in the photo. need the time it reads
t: 6:27
